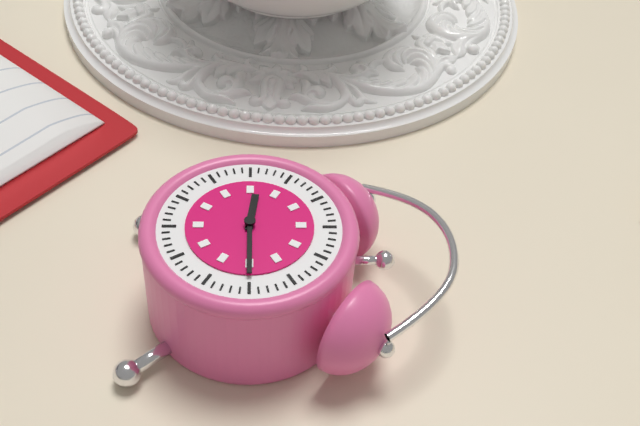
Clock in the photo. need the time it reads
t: 9:15
